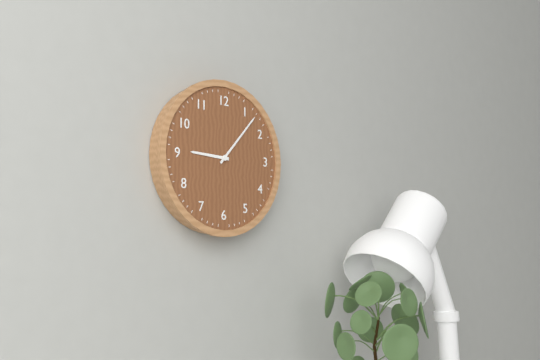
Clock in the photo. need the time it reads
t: 9:07
